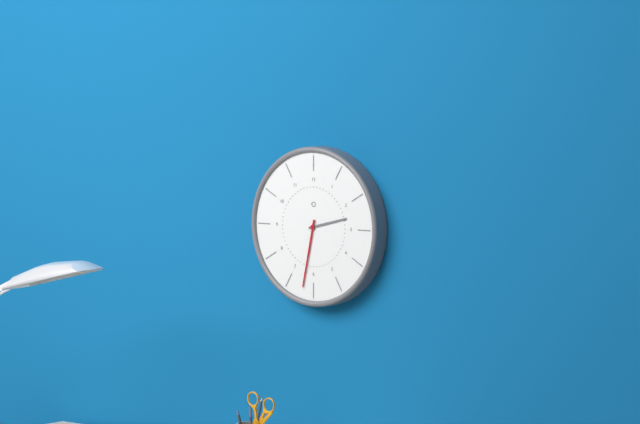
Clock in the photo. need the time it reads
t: 2:32
